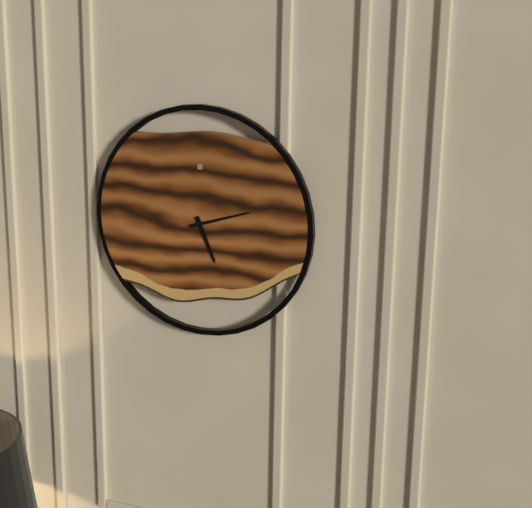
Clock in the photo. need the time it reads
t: 5:12
